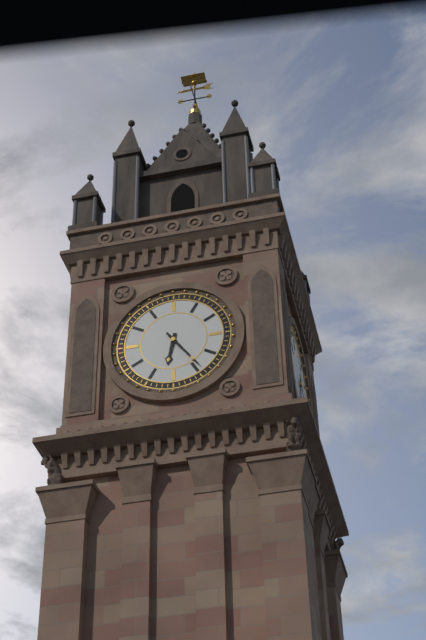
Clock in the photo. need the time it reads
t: 6:24
